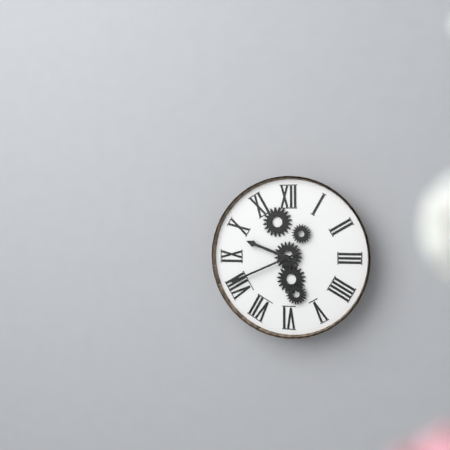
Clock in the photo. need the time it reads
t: 9:41
